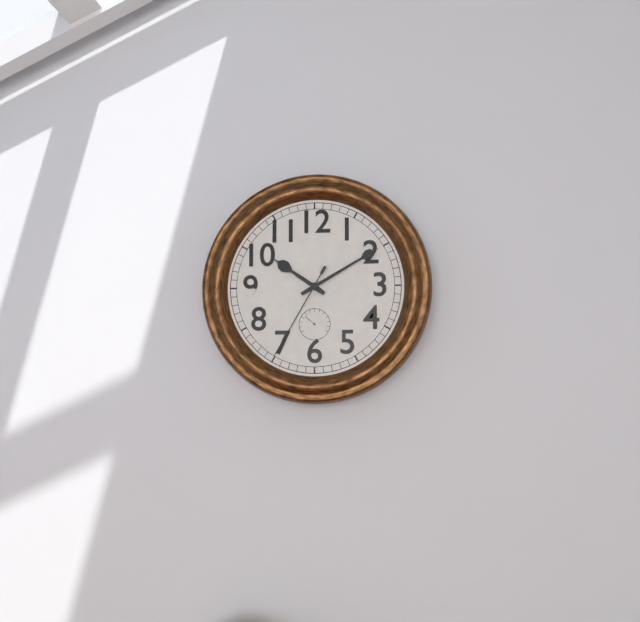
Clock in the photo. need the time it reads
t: 10:10:35
